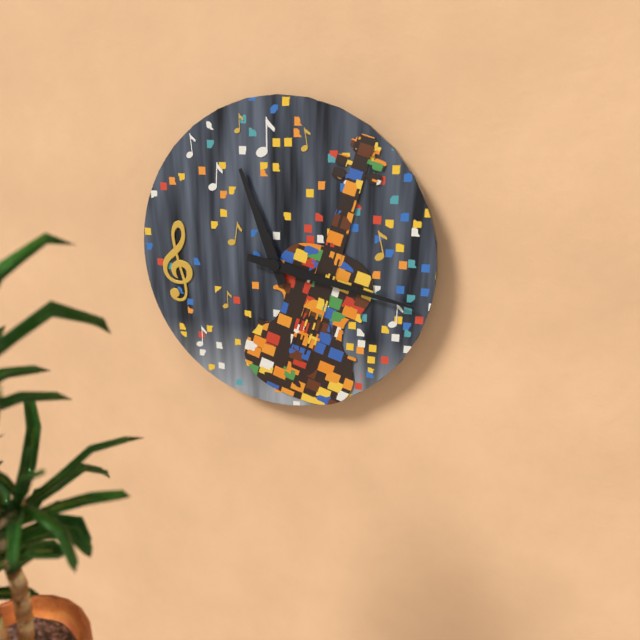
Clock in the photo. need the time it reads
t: 11:17
